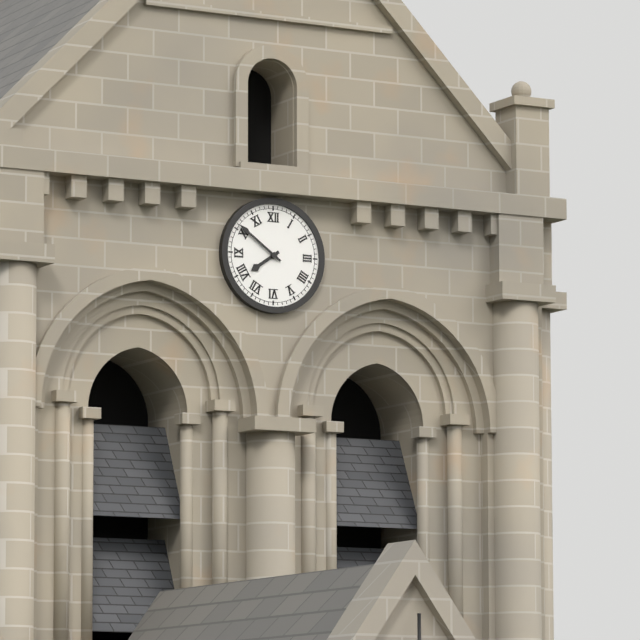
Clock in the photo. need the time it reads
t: 7:51
